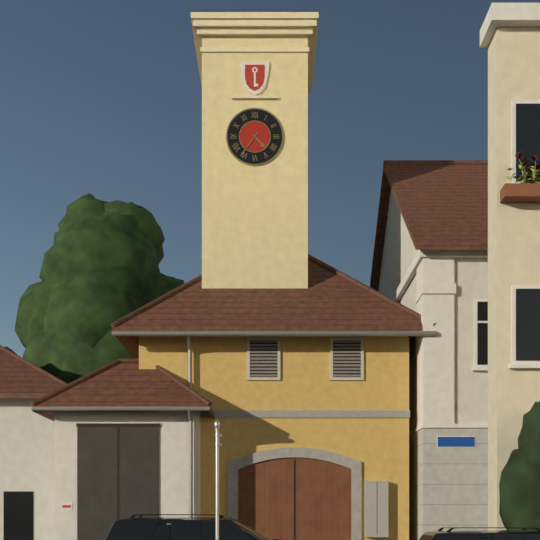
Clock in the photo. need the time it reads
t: 4:36
